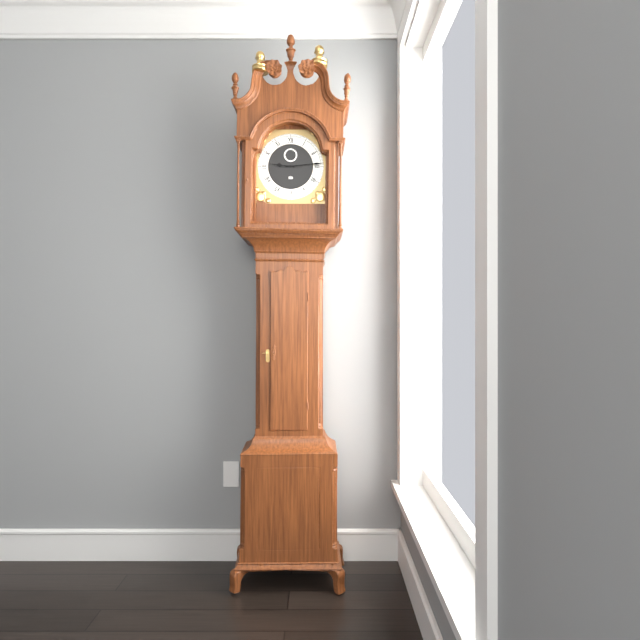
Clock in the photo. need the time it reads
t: 9:14
